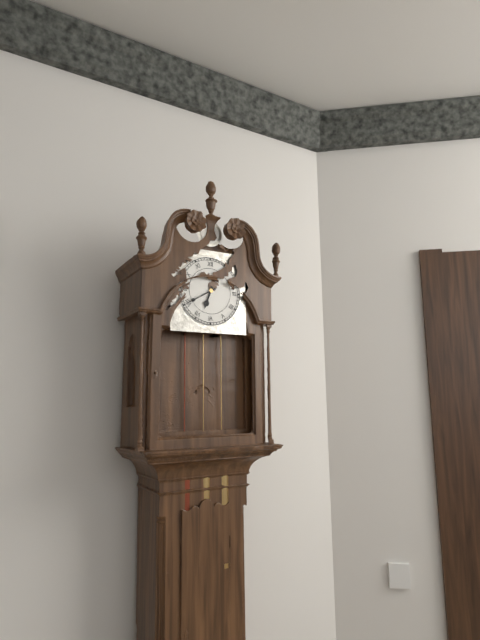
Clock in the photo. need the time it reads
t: 6:40
